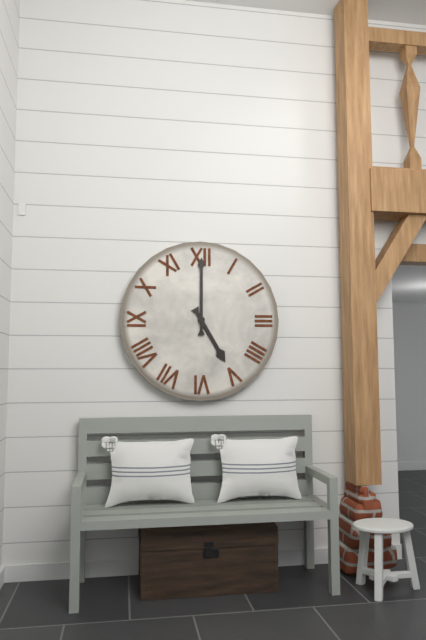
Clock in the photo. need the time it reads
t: 5:00
